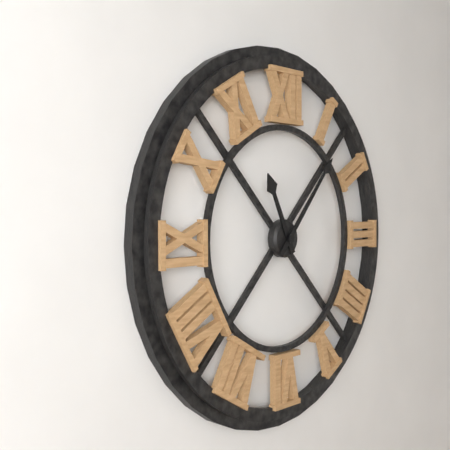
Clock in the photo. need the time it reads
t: 11:07
